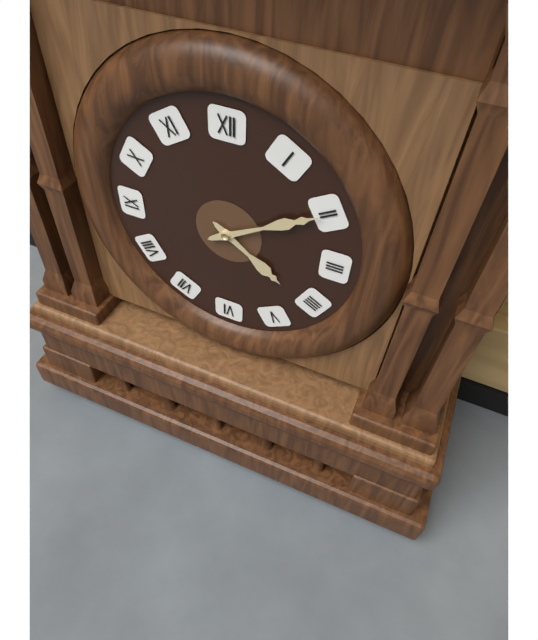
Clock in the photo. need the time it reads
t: 4:10
